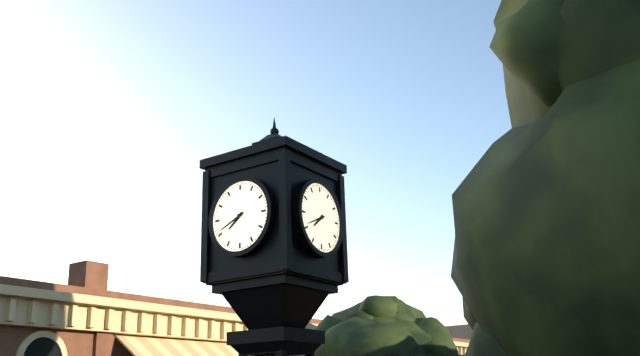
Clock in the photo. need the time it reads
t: 7:41
